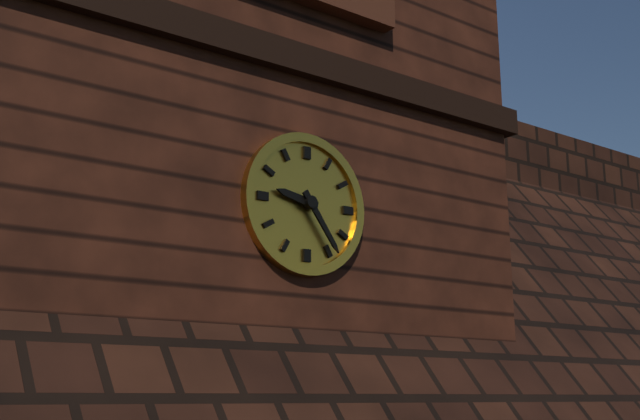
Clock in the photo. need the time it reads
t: 9:24
